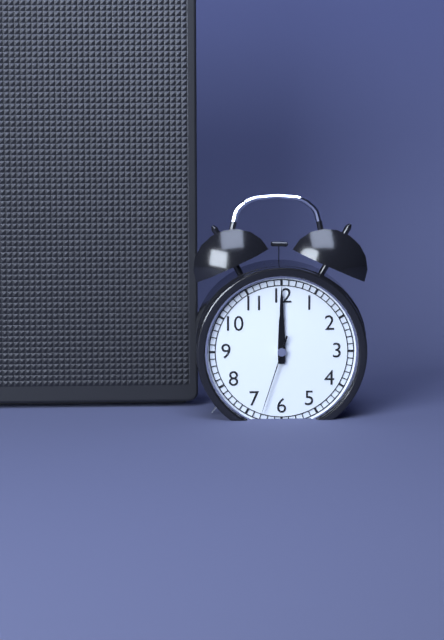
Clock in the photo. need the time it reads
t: 12:00:33
